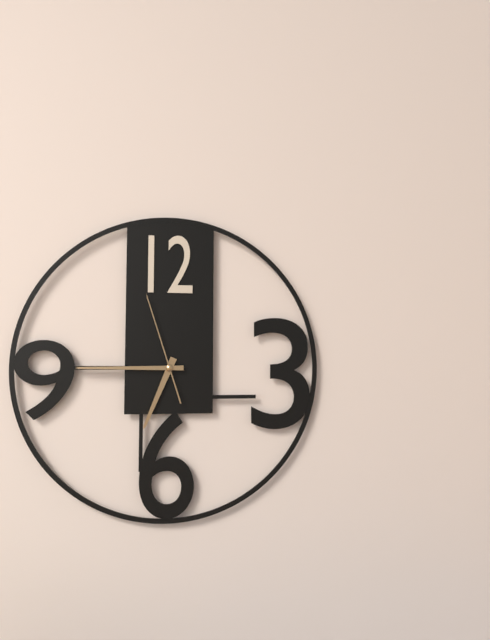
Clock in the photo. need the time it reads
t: 6:45:57
